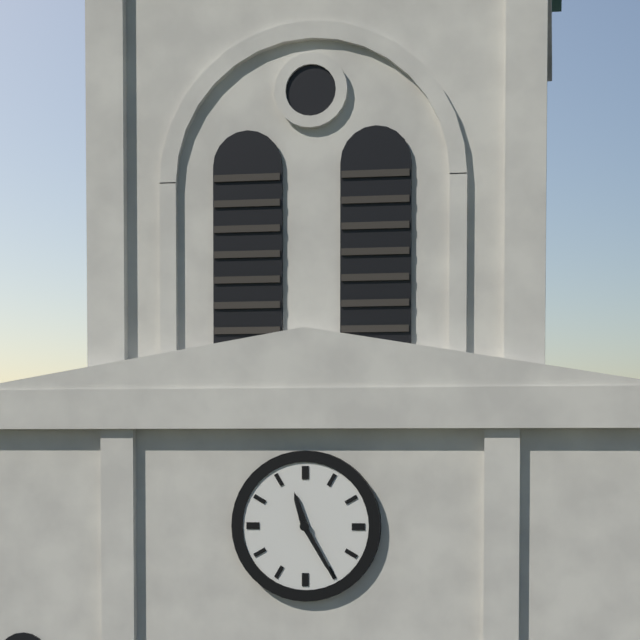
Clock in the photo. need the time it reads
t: 11:25
